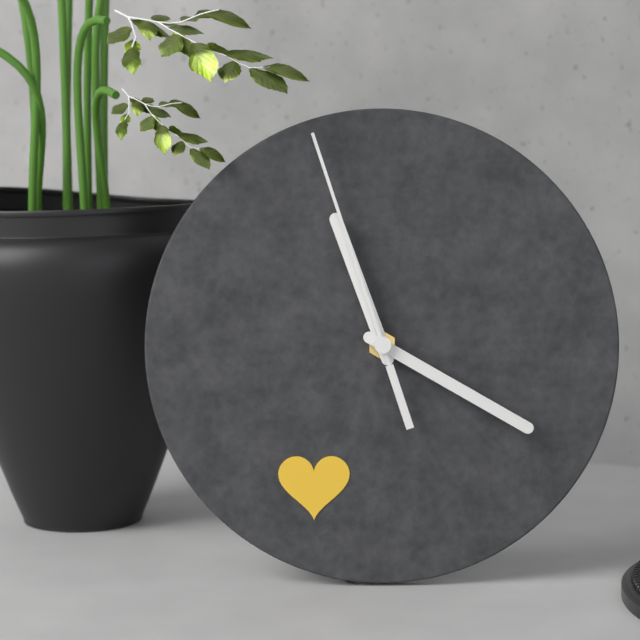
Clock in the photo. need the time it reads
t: 11:20:57
